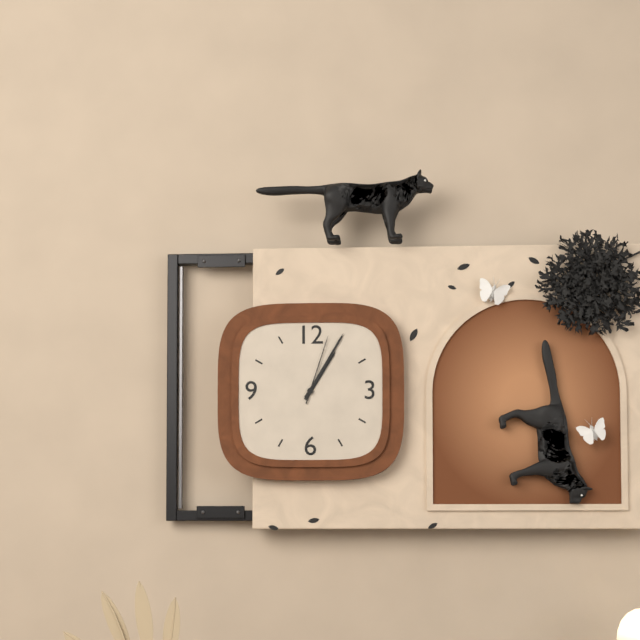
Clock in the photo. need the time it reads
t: 1:05:03
